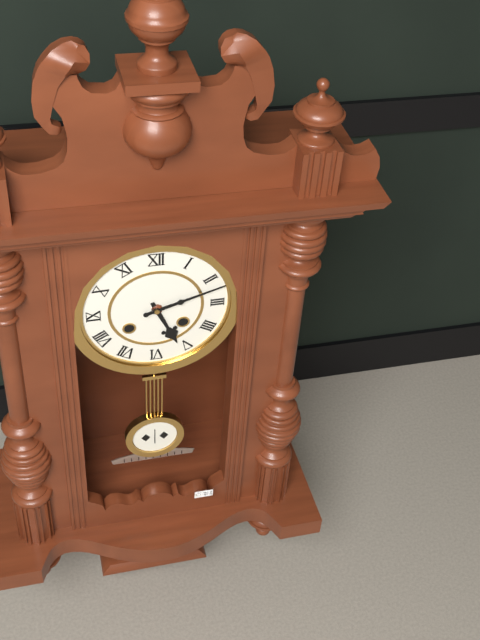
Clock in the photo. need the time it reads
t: 5:12
